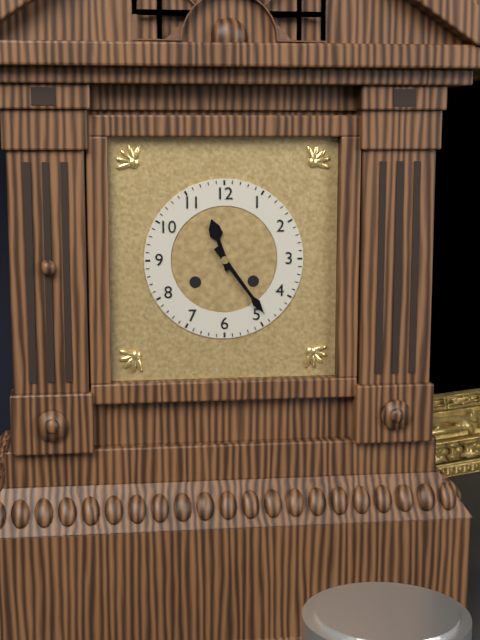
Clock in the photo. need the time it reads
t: 11:24
